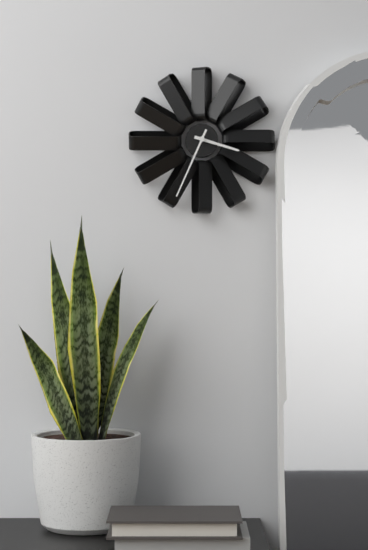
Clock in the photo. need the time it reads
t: 3:34
